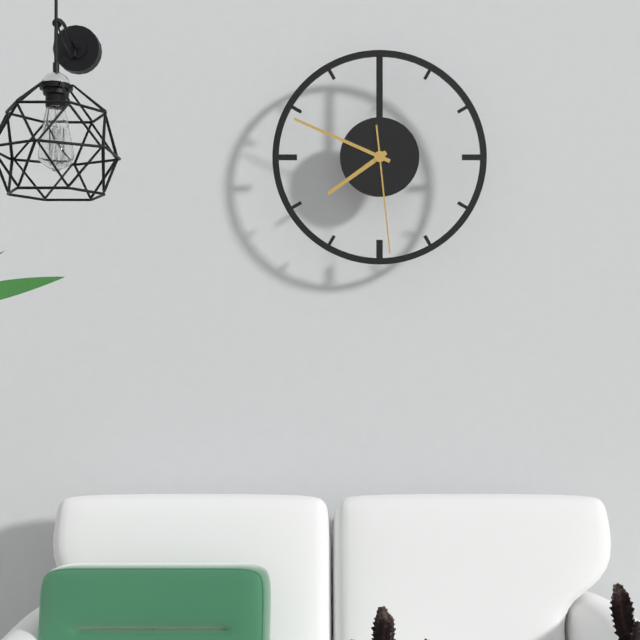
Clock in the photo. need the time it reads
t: 7:49:29
